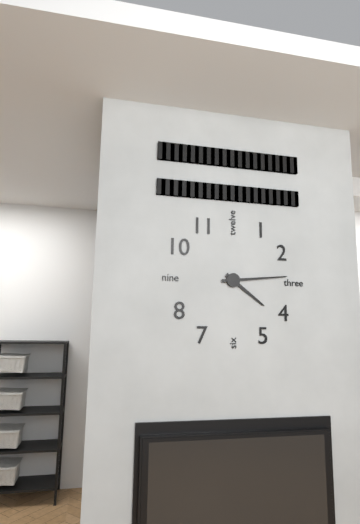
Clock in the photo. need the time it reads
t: 4:14
